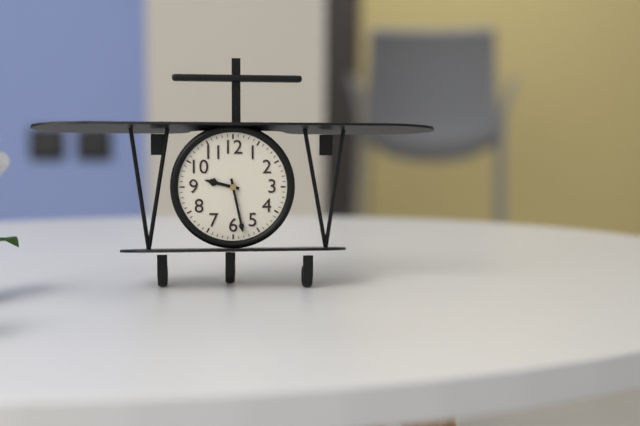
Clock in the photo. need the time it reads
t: 9:28
